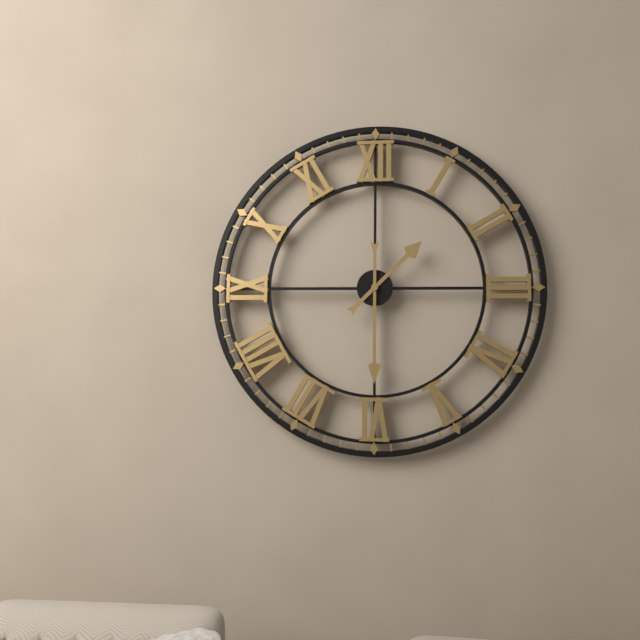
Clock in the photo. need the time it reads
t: 1:30
